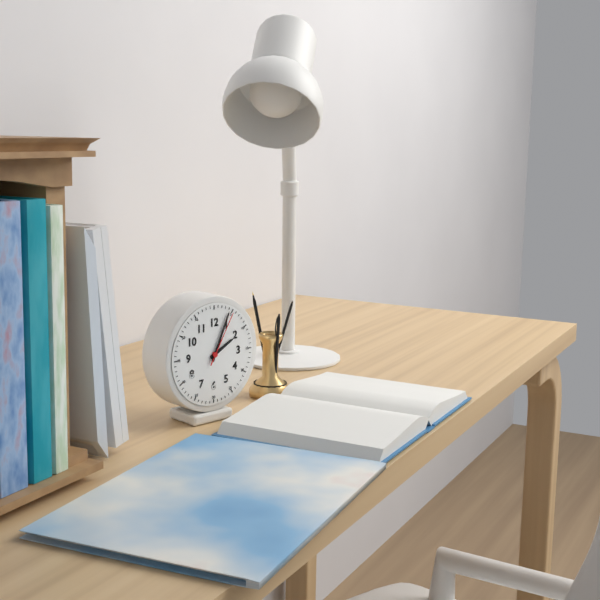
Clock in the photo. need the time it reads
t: 2:04:05
